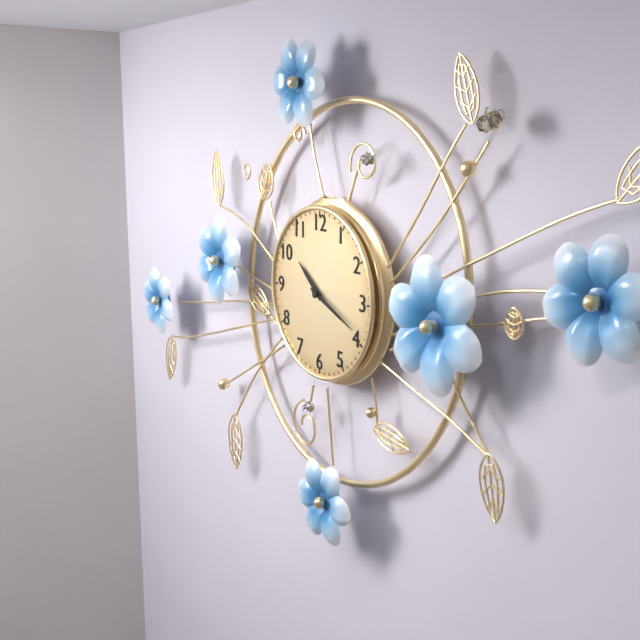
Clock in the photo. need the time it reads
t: 10:19
